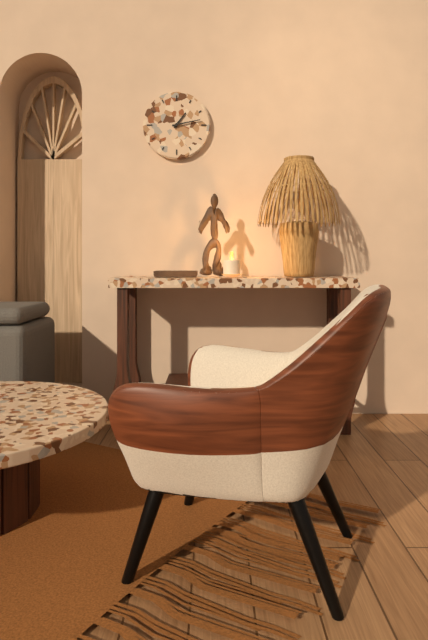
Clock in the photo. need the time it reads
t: 1:13
